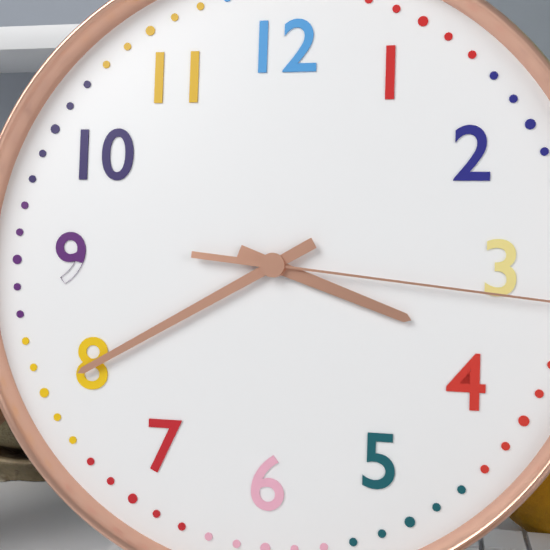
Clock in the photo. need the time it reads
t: 3:40
